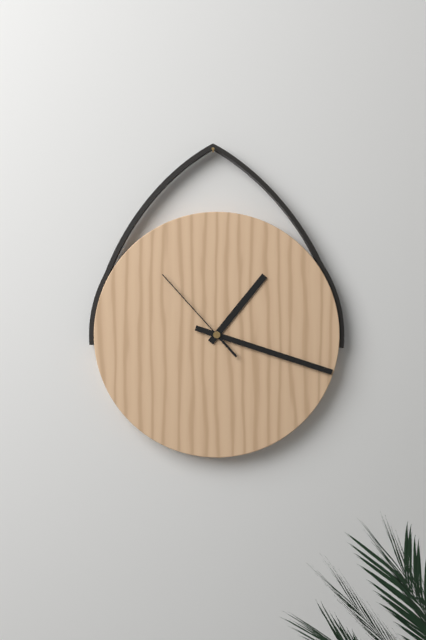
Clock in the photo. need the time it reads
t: 1:18:53
